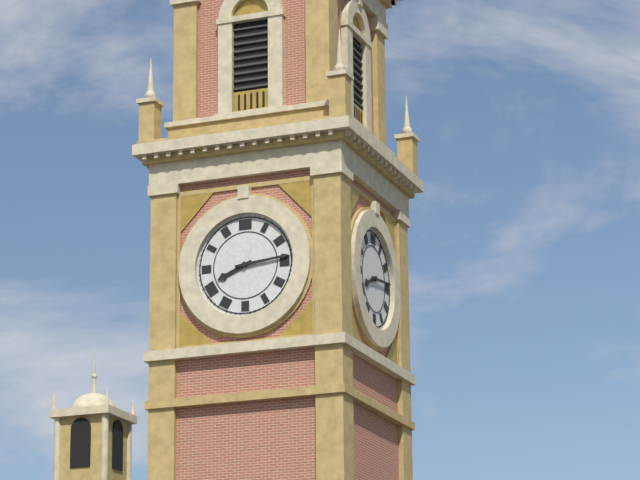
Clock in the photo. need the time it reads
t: 8:14
